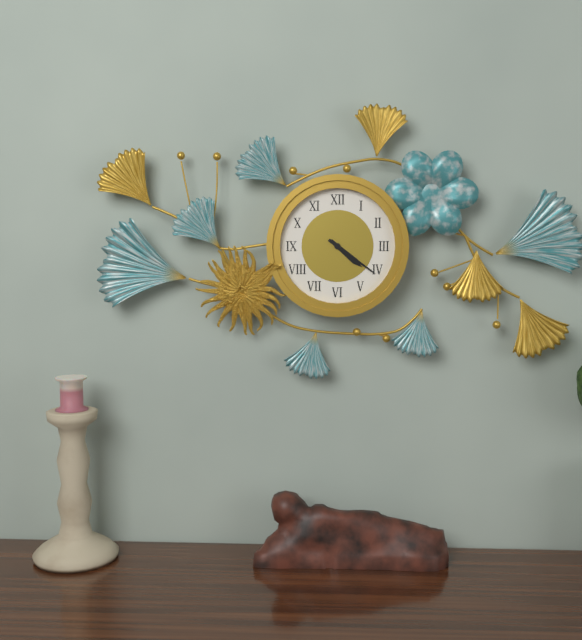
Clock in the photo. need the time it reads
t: 4:21
